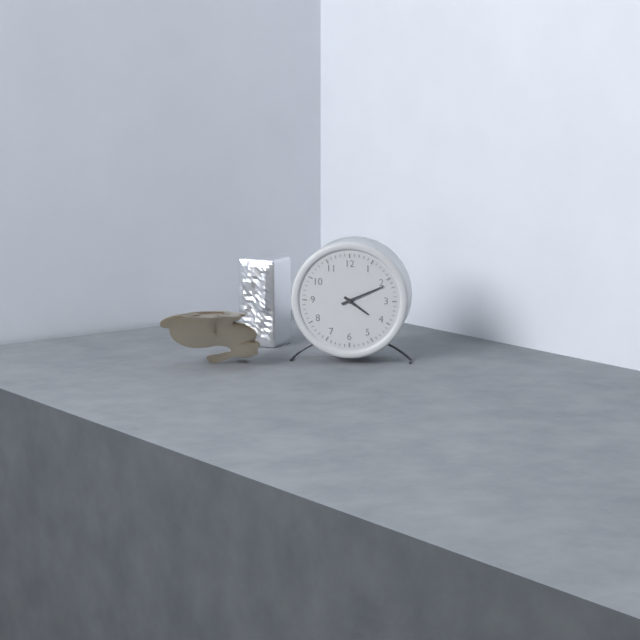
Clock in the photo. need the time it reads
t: 4:11
